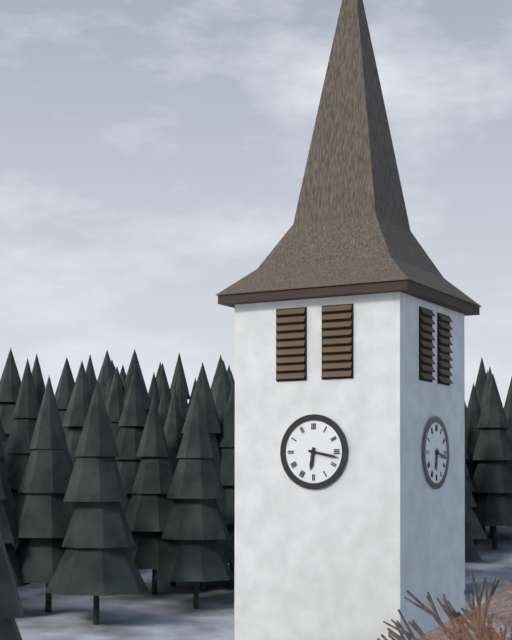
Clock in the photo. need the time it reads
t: 6:17
